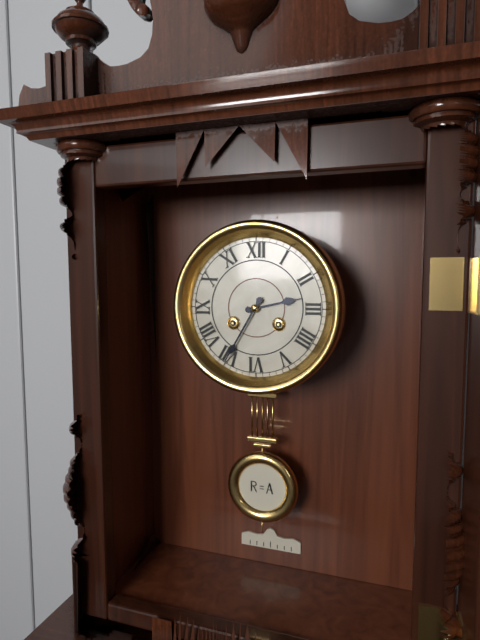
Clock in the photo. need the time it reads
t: 2:35
